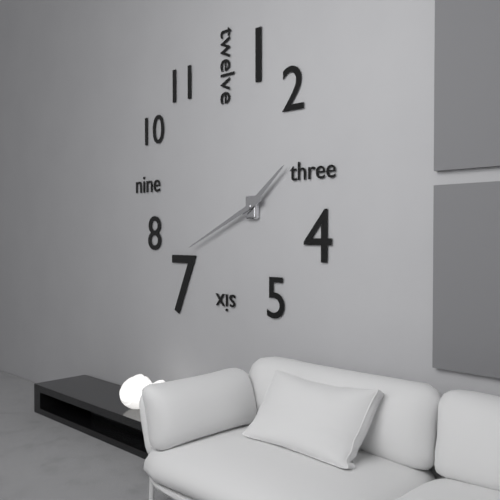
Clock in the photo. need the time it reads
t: 1:41
